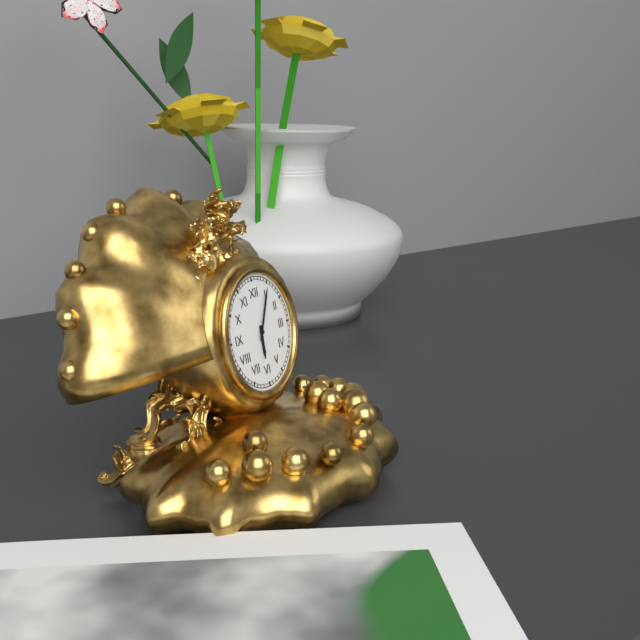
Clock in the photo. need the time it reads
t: 6:05
